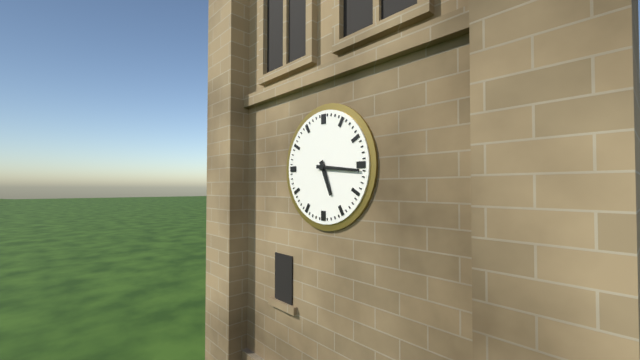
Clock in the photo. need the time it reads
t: 5:16
